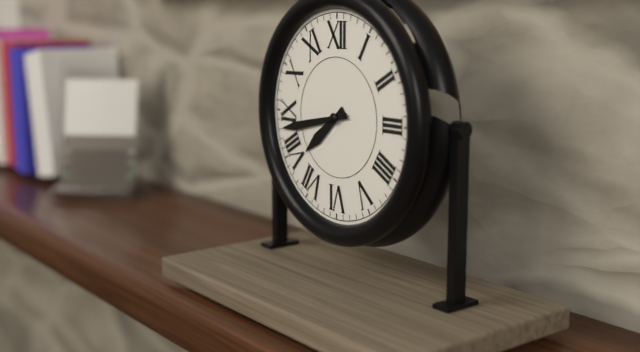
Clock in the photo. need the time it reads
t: 7:43
